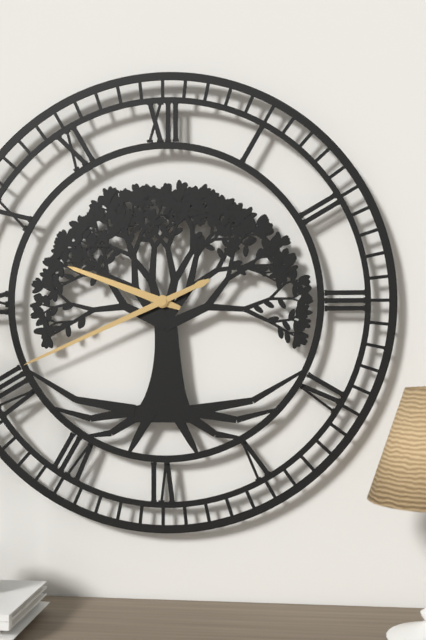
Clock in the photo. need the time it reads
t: 9:41
